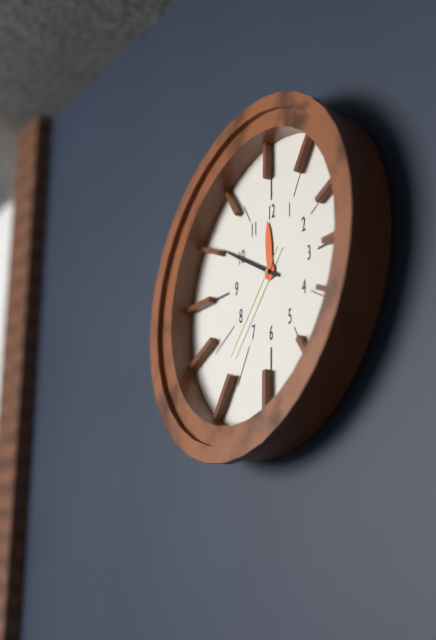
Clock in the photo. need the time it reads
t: 11:50:37
